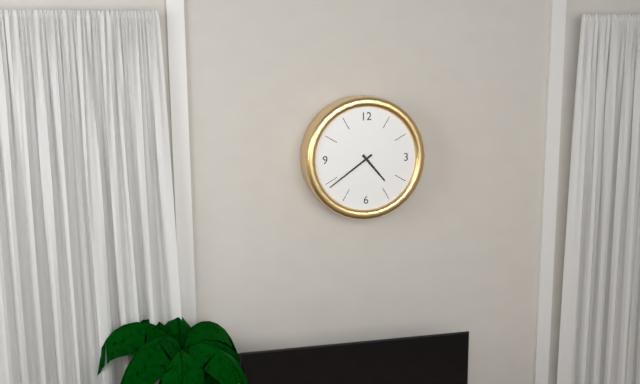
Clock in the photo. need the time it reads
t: 4:39
